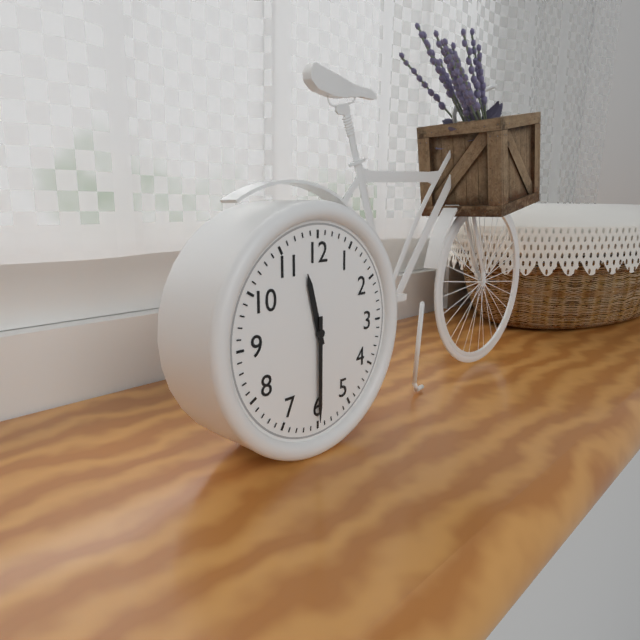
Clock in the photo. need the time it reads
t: 11:30
